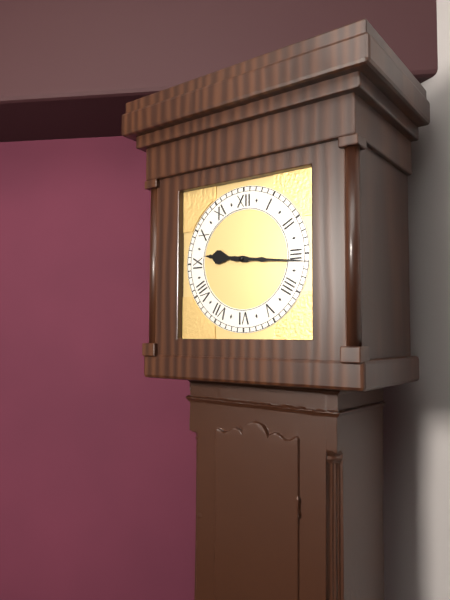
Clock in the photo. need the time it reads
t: 9:16
